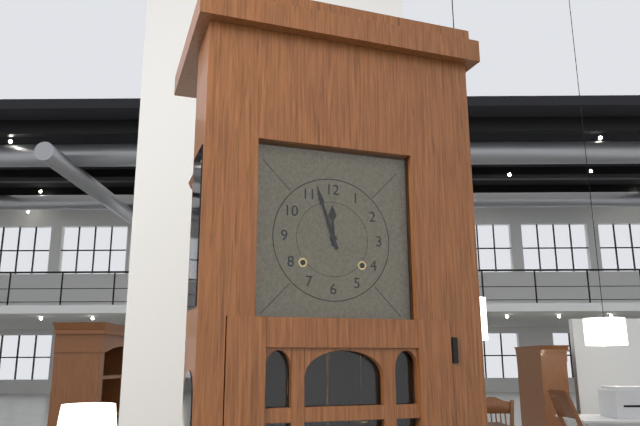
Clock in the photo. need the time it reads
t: 11:57
